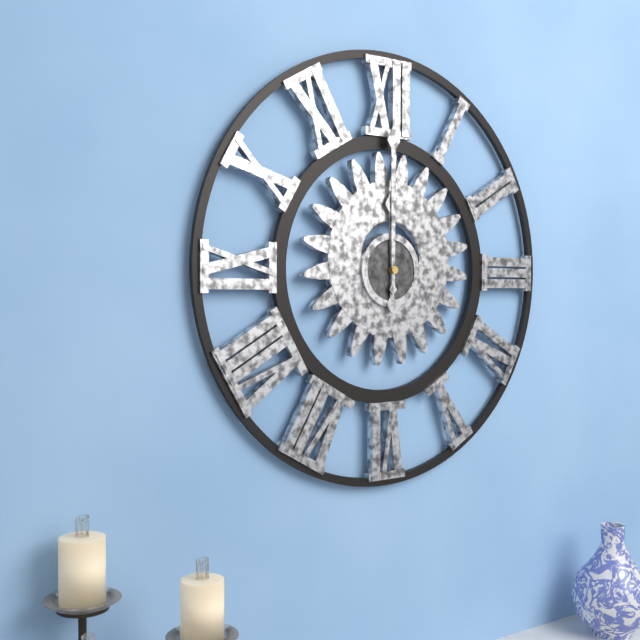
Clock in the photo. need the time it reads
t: 12:00
